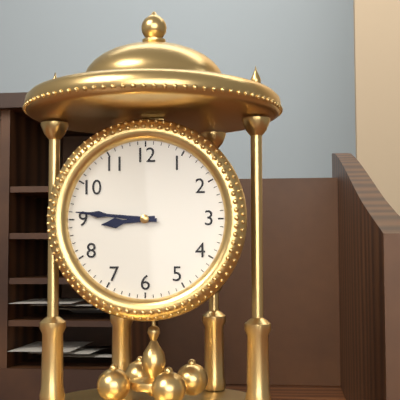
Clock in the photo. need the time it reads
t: 8:46
